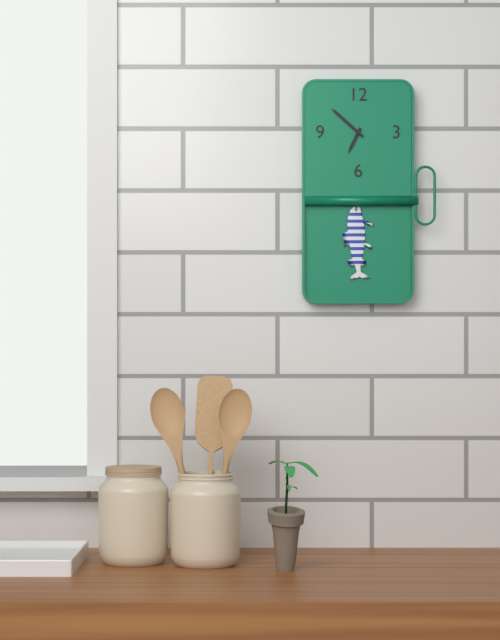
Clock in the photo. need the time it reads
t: 6:52
